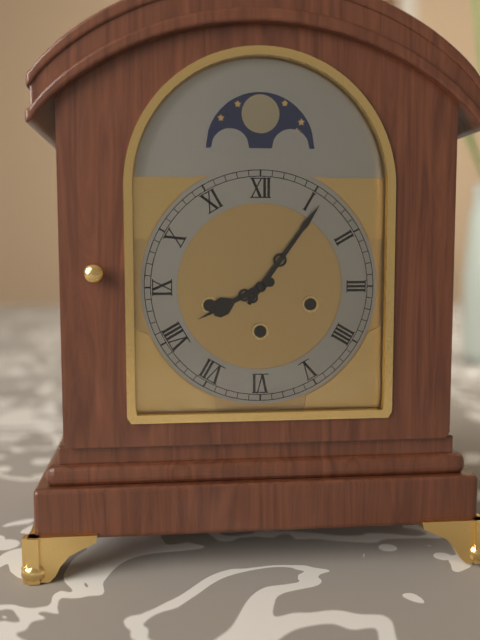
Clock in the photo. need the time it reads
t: 8:06
